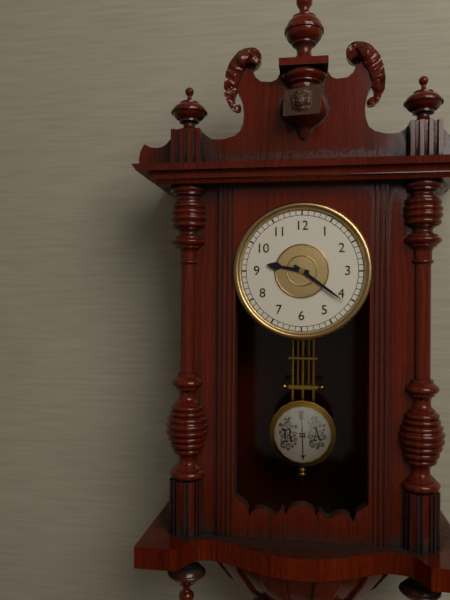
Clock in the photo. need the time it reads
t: 9:21
